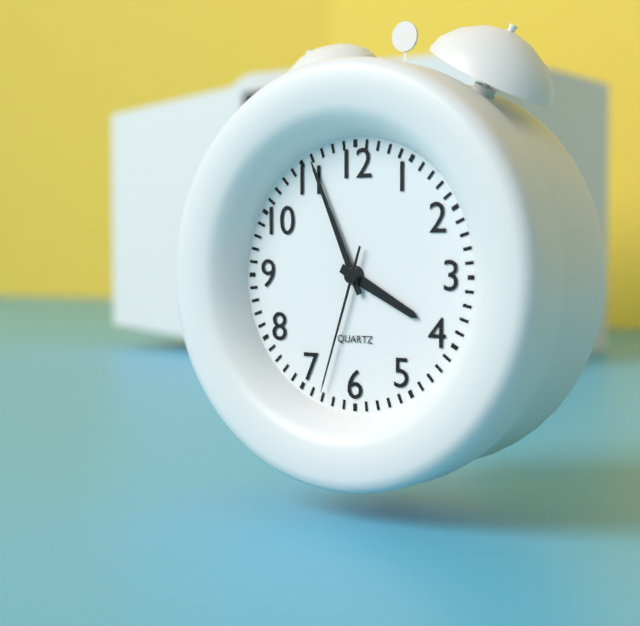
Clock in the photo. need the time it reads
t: 3:56:33
